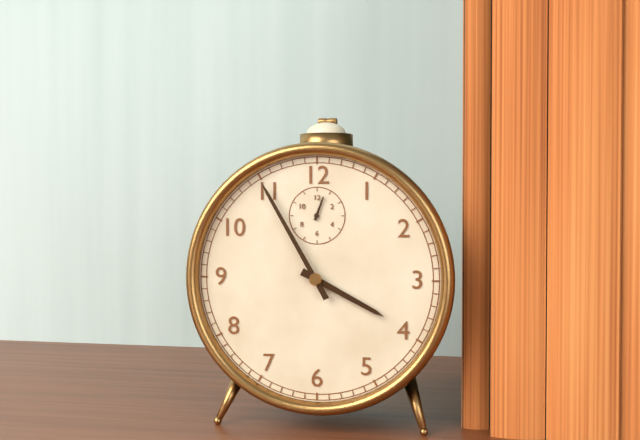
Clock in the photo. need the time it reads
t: 3:55
